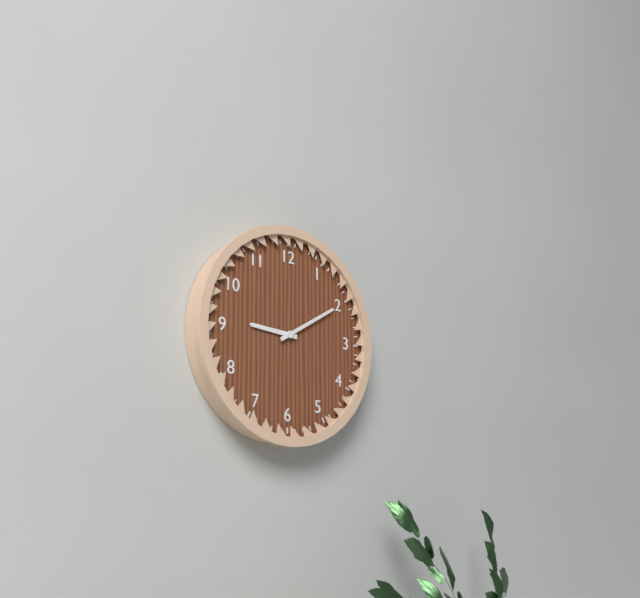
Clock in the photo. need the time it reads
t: 9:10
